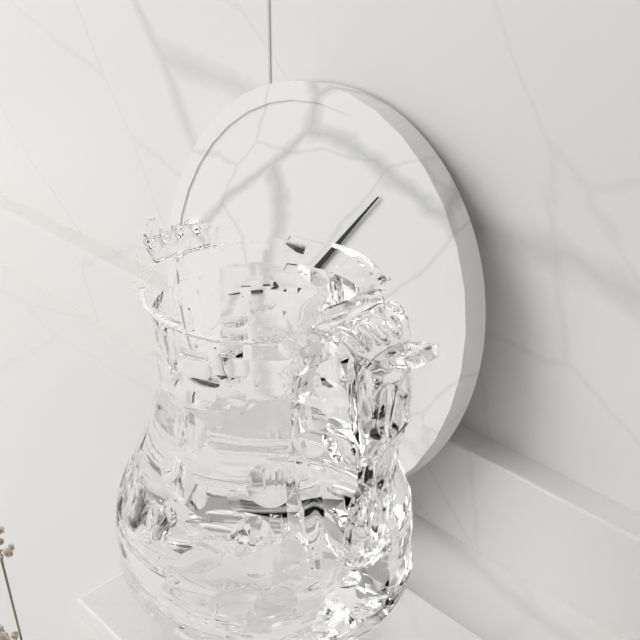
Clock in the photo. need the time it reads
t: 8:06:26
